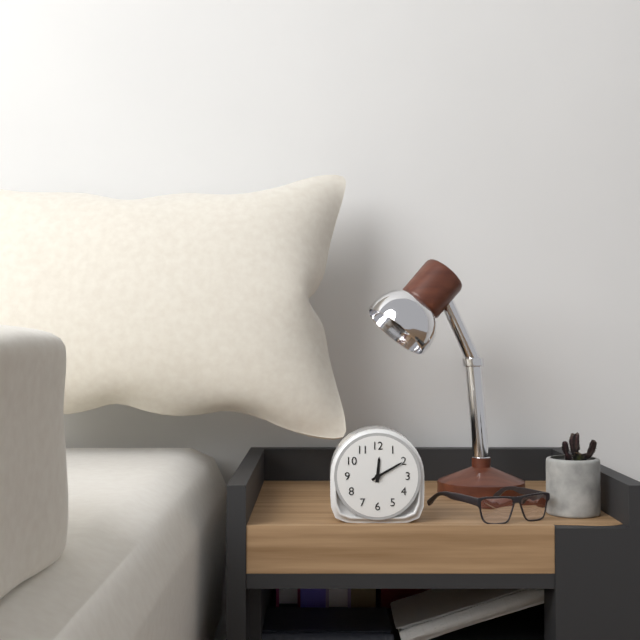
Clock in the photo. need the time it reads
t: 12:10
